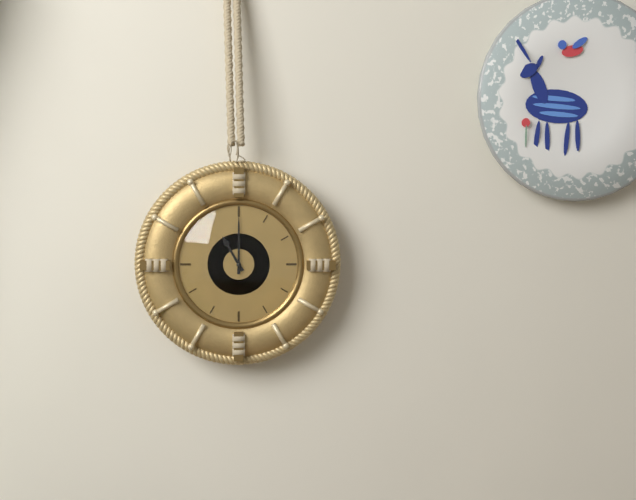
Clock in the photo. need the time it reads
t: 11:00
